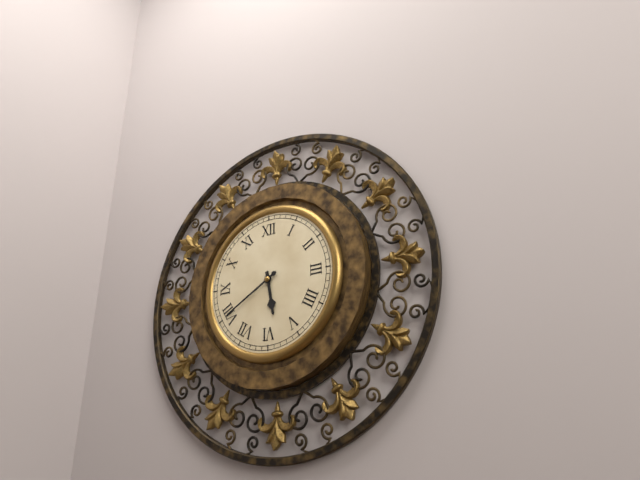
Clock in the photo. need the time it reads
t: 5:40
